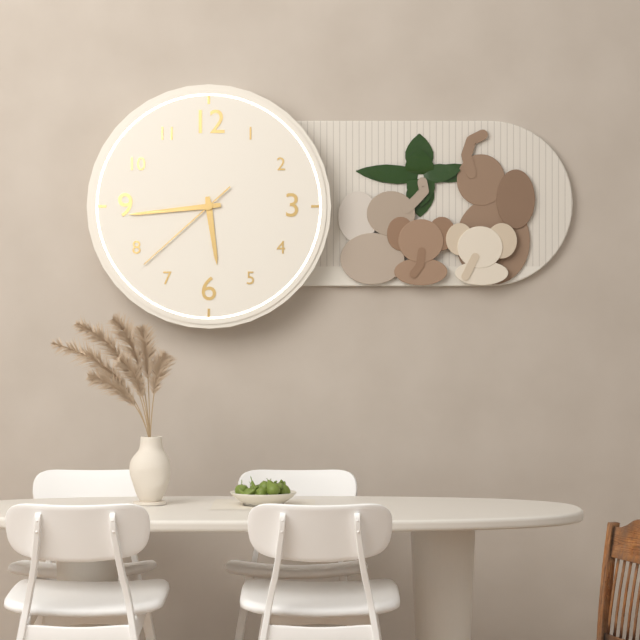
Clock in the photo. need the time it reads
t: 5:44:38
